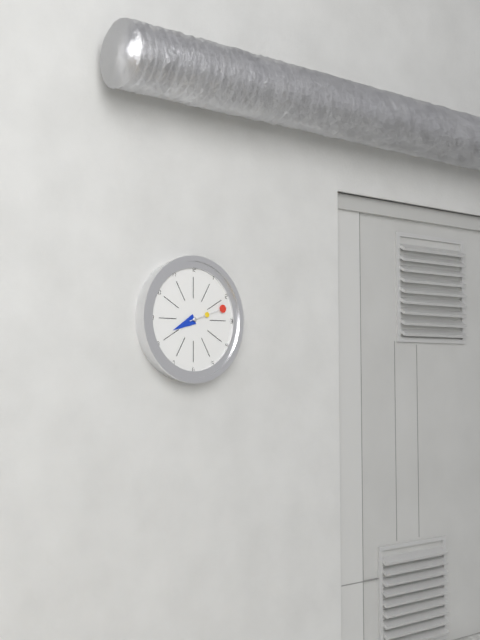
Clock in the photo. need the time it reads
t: 8:12
